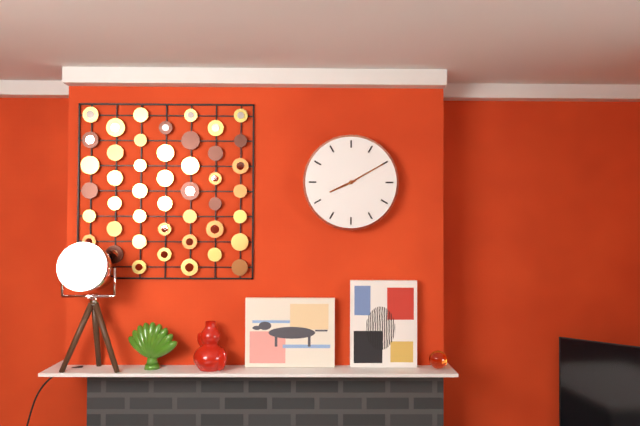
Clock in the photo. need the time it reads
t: 8:10
